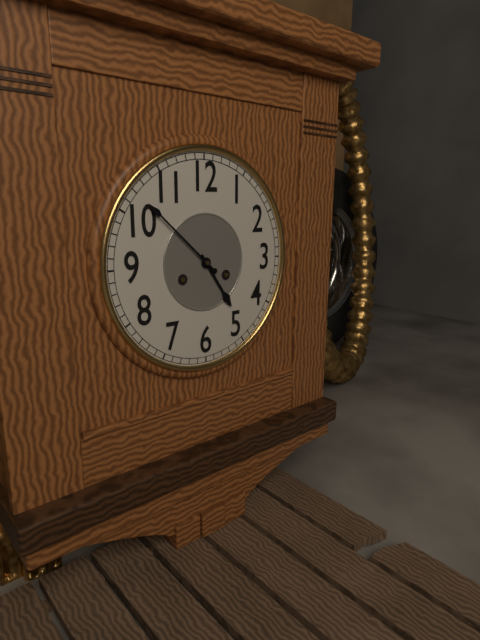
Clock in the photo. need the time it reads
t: 4:52
